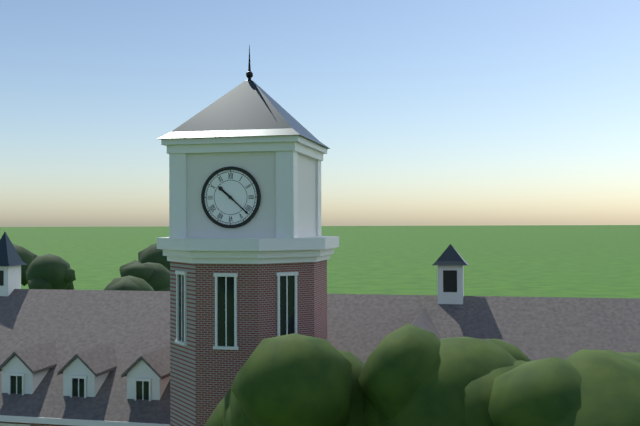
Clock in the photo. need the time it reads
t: 10:22
